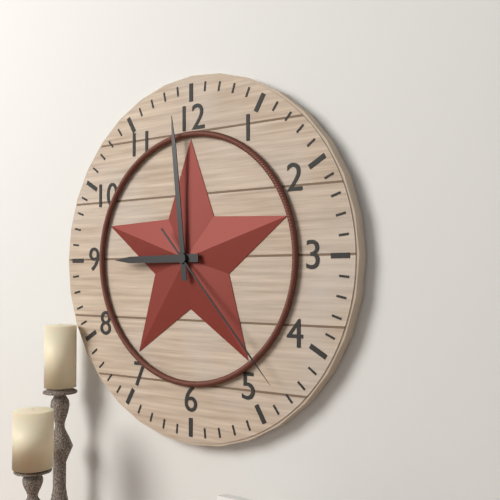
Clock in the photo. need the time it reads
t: 8:59:23
